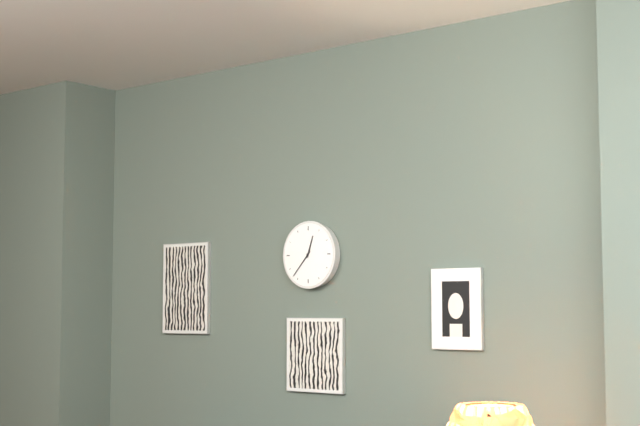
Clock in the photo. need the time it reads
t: 12:37
